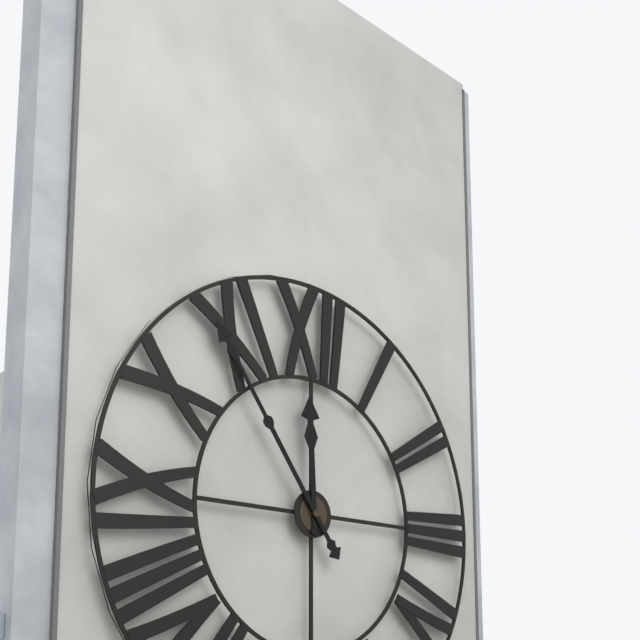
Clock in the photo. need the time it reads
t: 11:54
